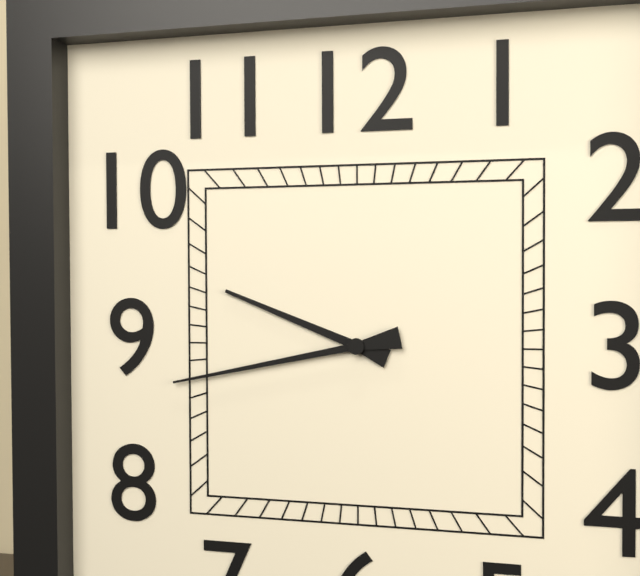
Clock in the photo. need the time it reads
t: 9:43
